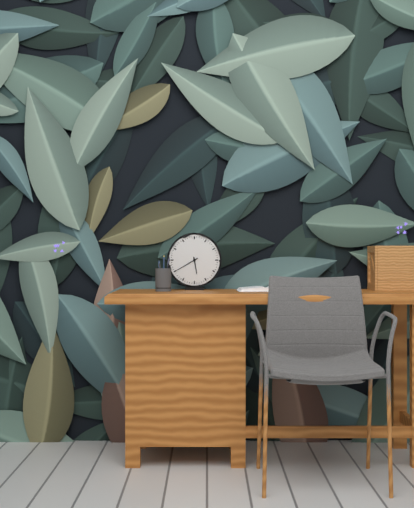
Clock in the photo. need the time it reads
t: 5:40
